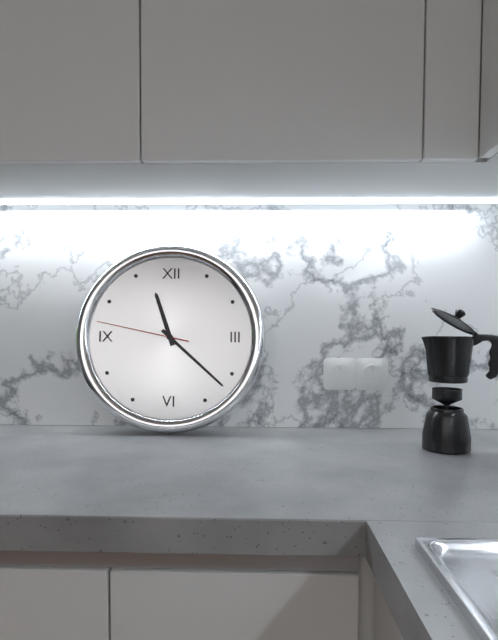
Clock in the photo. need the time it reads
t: 11:22:47
